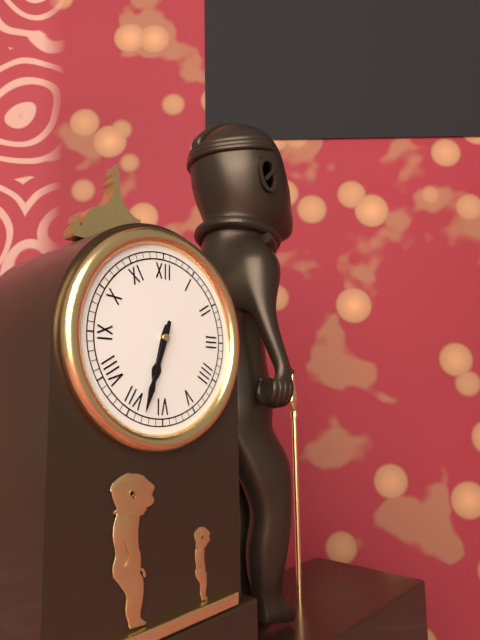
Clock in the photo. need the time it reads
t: 6:33
